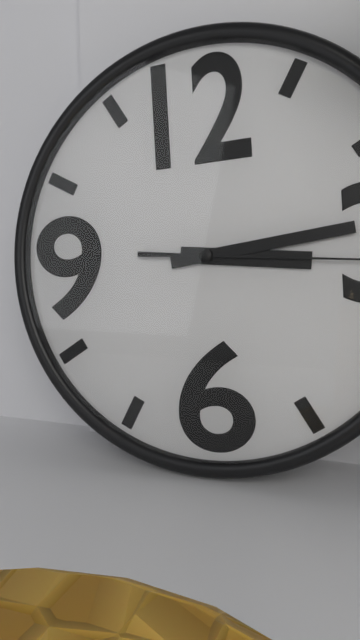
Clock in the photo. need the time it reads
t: 3:14
